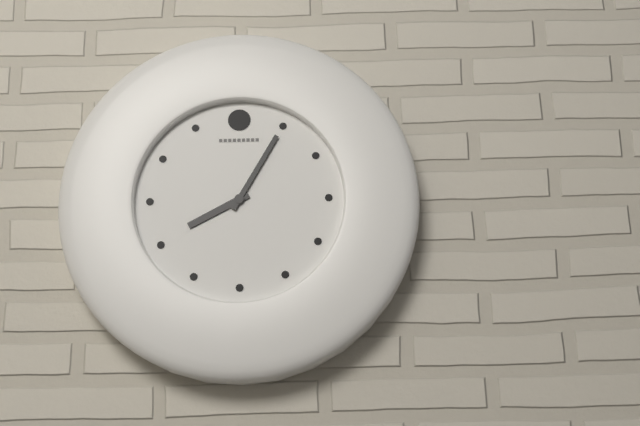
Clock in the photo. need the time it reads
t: 8:05
